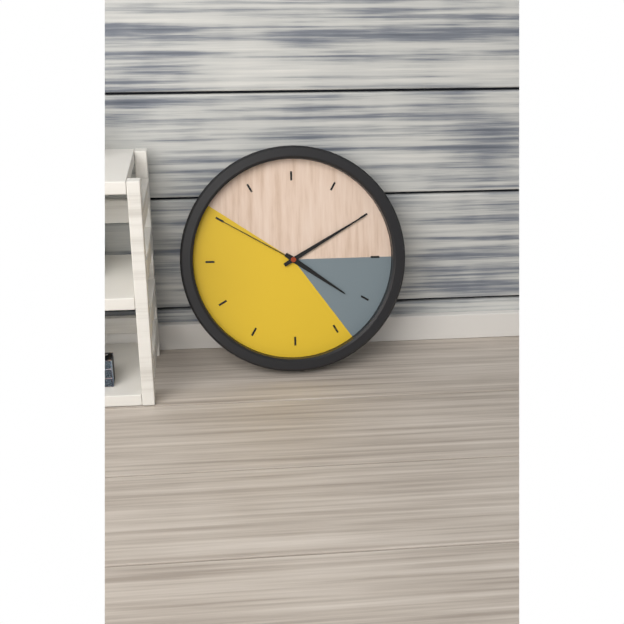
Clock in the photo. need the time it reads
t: 4:10:50
